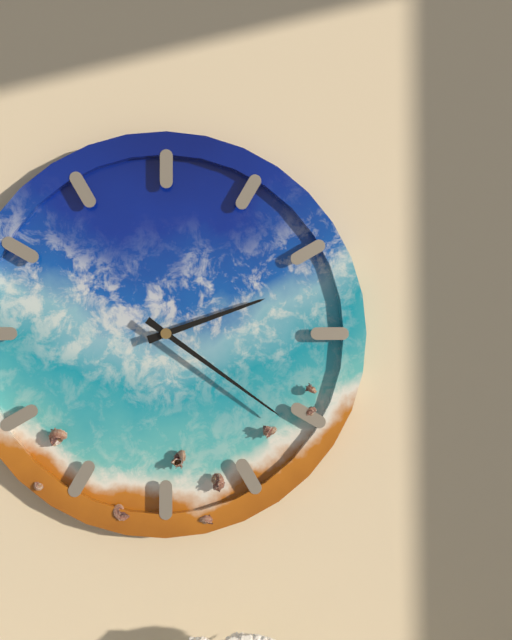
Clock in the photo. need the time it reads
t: 2:21
